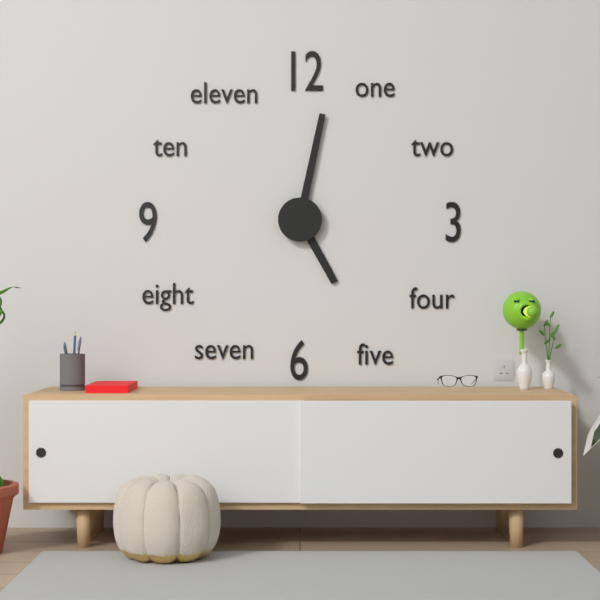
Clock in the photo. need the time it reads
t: 5:02
